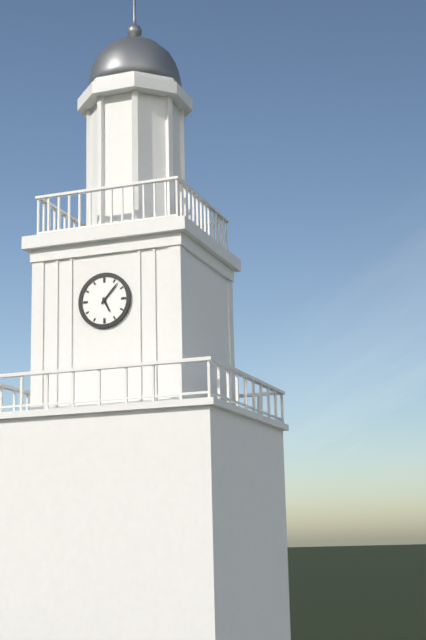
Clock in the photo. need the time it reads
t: 5:07
